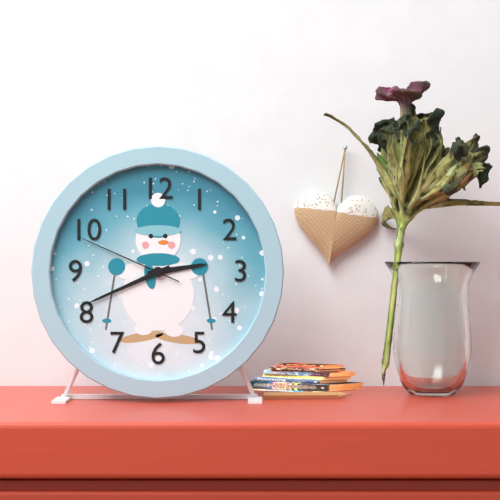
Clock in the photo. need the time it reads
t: 2:41:49
